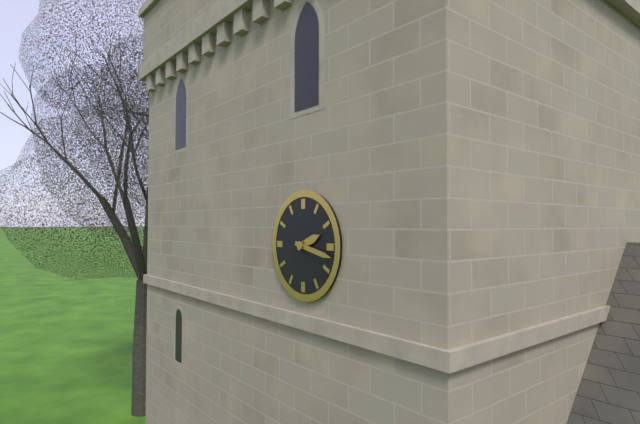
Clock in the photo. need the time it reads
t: 2:17
